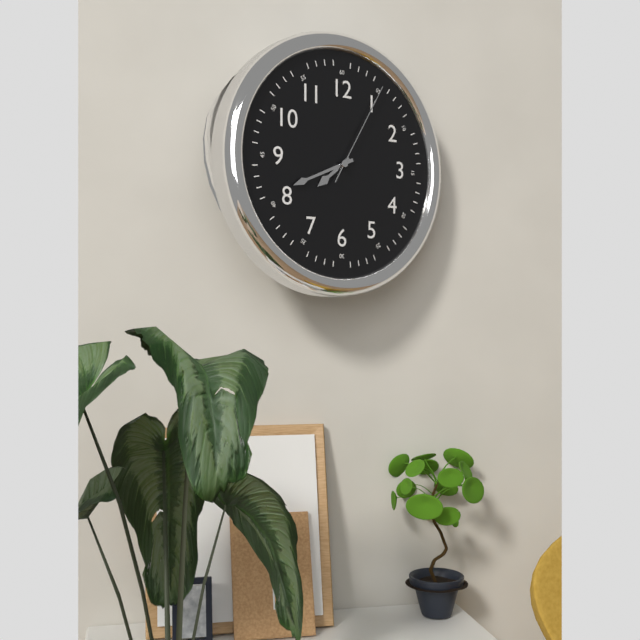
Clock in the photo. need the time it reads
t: 7:41:05
